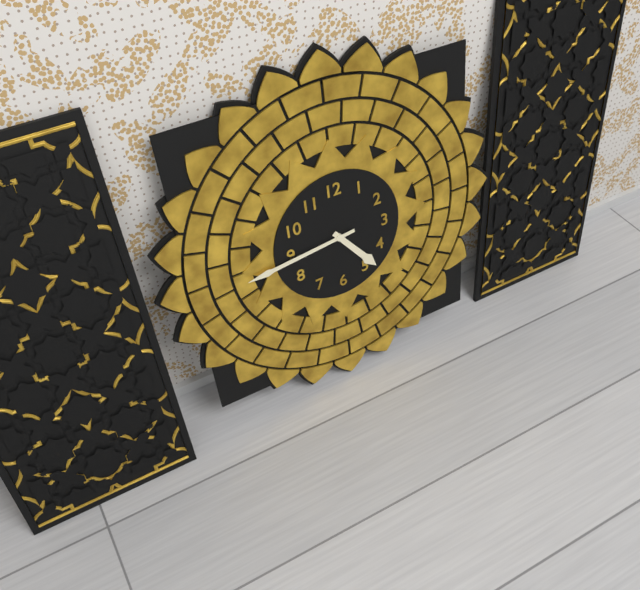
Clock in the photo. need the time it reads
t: 4:44
